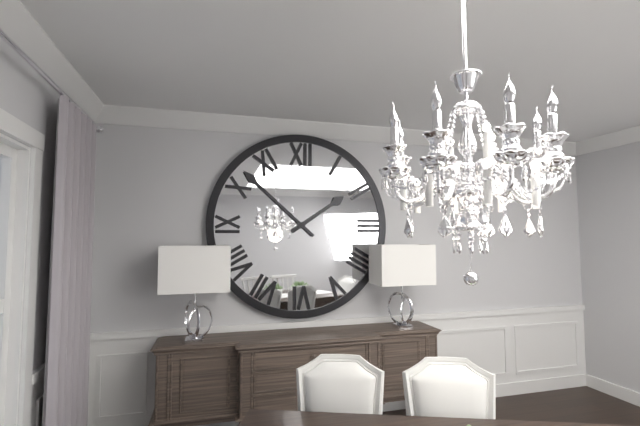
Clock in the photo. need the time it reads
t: 1:52
